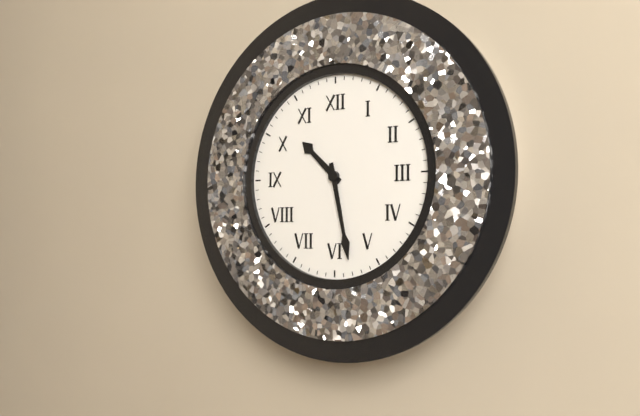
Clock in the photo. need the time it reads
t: 10:28
